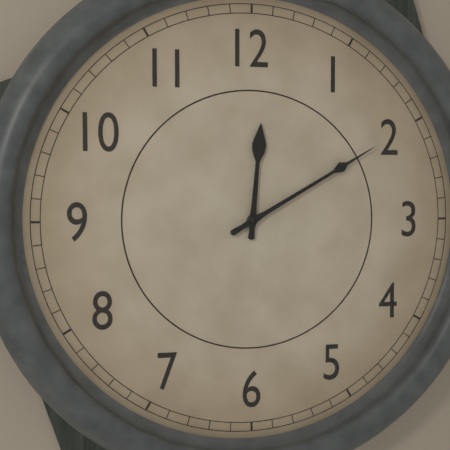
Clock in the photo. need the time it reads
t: 12:10
